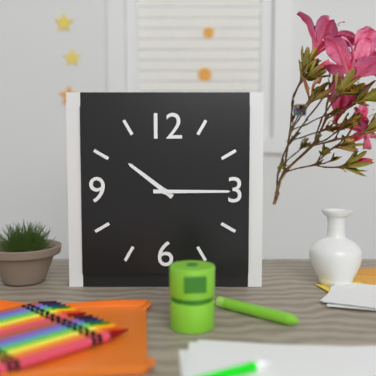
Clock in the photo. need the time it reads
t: 10:15
